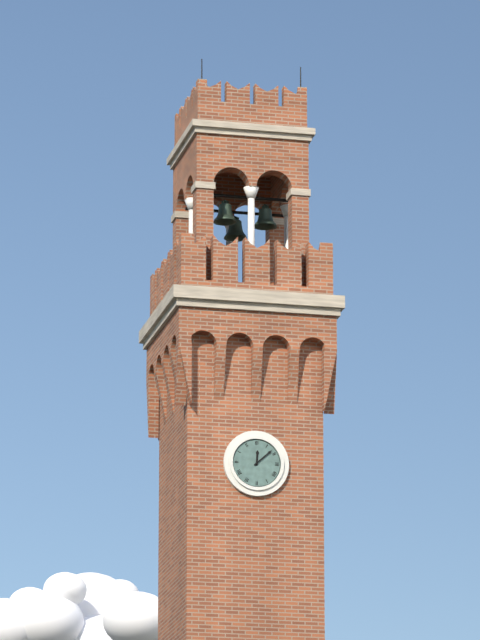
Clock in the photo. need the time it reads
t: 12:08
